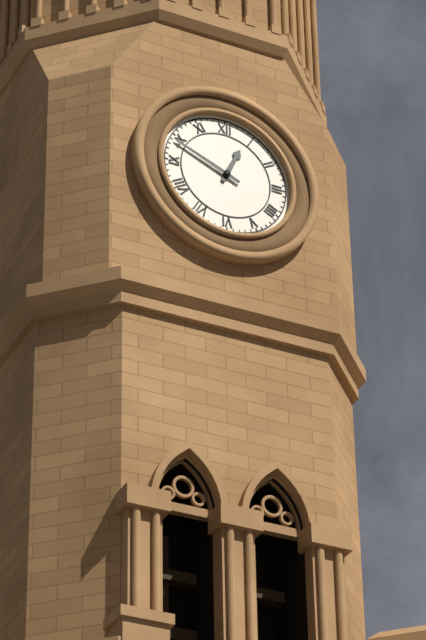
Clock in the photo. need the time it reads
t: 12:49
